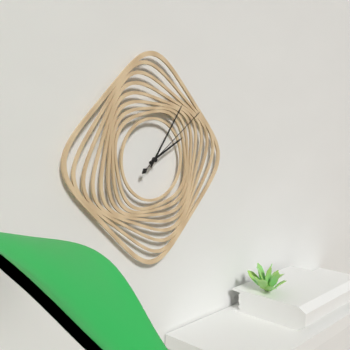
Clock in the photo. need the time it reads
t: 2:06:09
